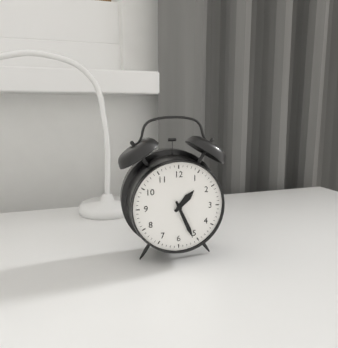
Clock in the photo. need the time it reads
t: 1:26
